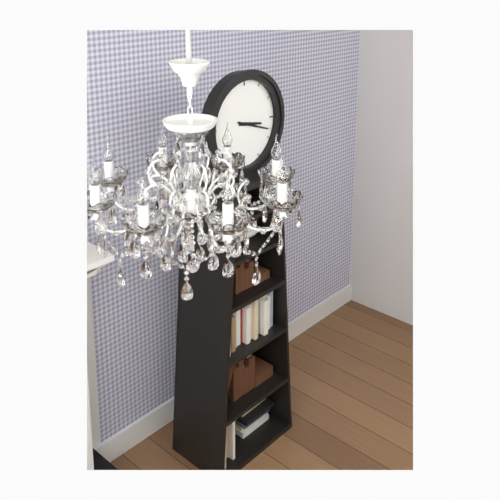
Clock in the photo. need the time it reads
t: 3:18
